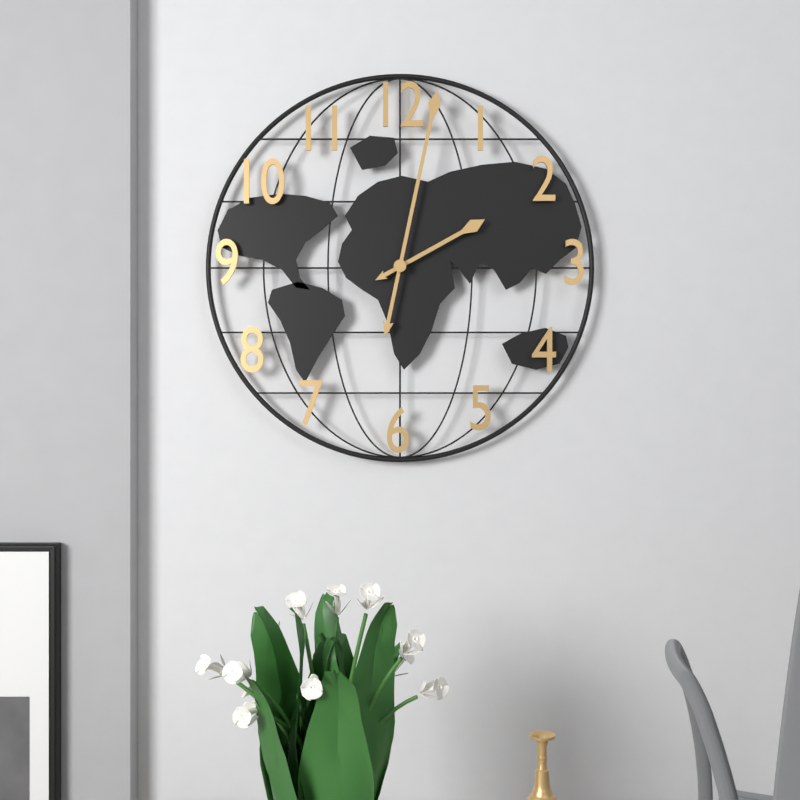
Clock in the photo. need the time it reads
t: 2:02
